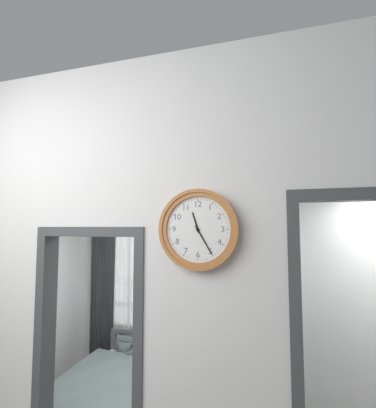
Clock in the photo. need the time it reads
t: 11:25
